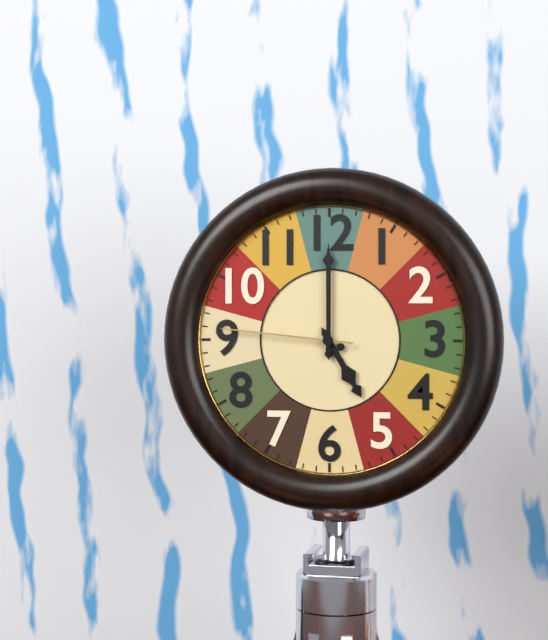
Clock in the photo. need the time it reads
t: 5:00:46
